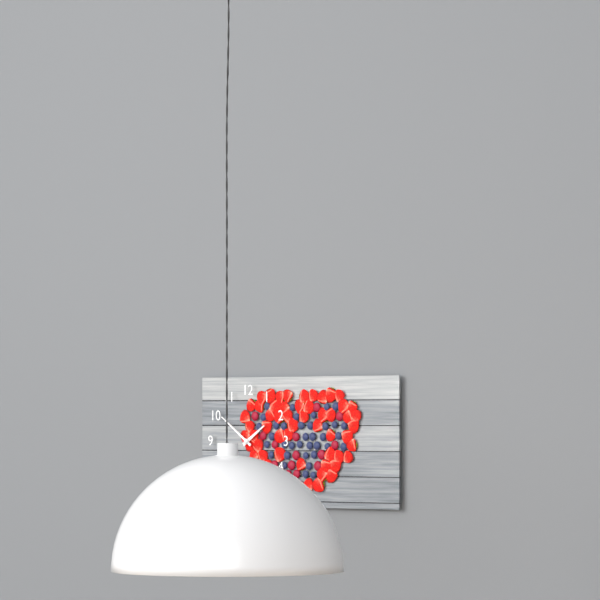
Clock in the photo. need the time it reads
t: 1:51
